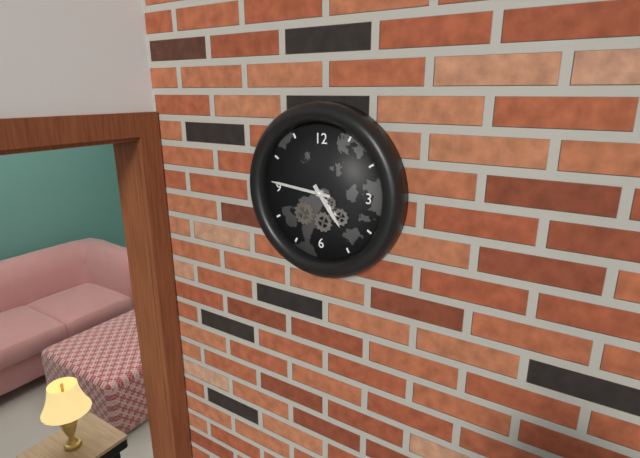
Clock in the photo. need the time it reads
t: 4:46
